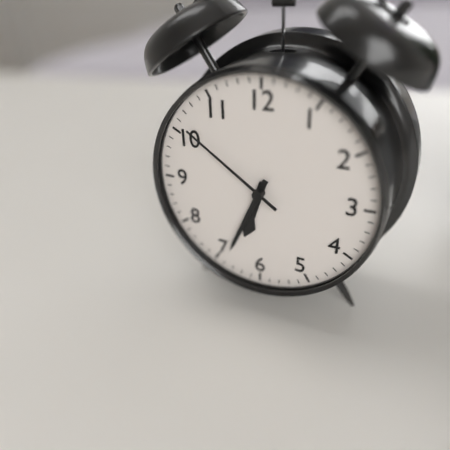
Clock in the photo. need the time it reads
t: 6:34:51
